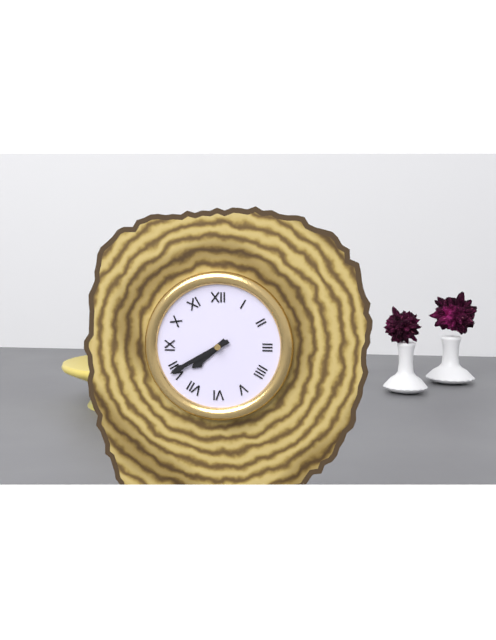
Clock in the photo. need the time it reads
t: 7:40
